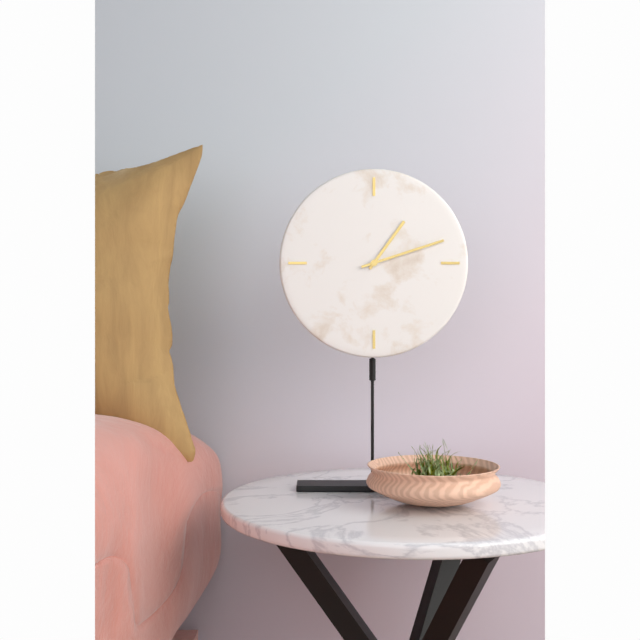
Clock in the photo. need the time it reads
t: 1:12
